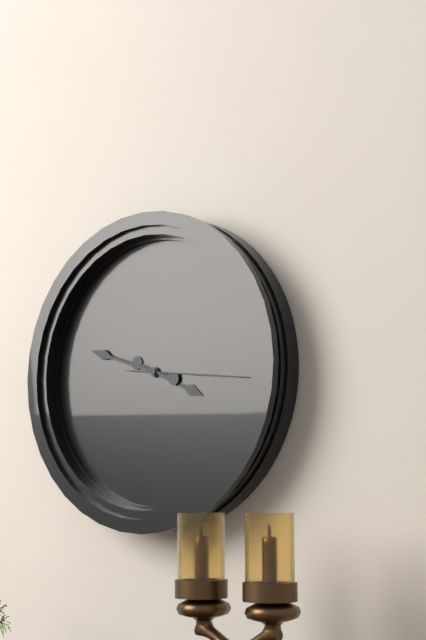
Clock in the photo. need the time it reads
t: 3:48:16
